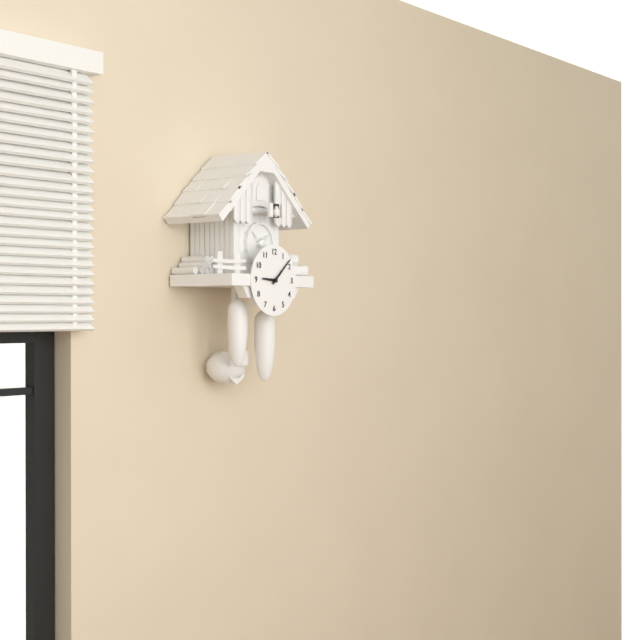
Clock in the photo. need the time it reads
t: 9:08
